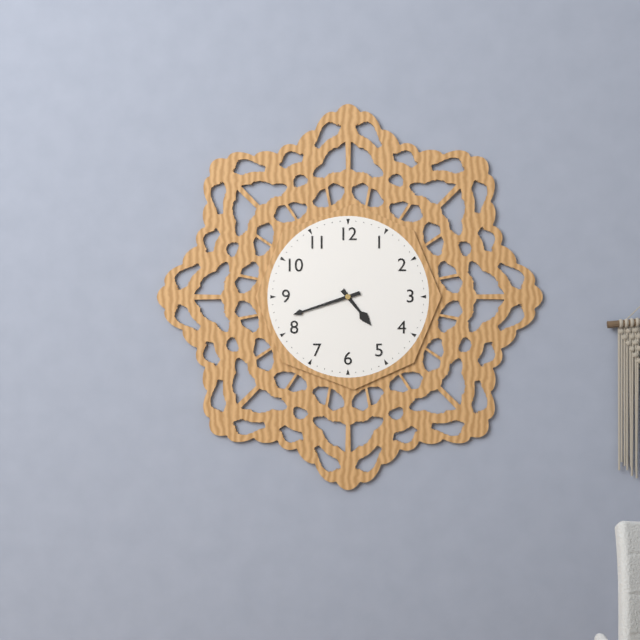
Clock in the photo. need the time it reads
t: 4:42
